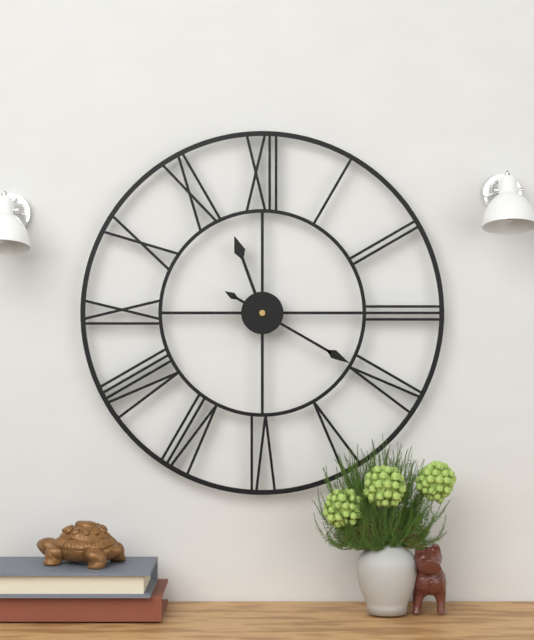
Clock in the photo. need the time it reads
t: 11:20
